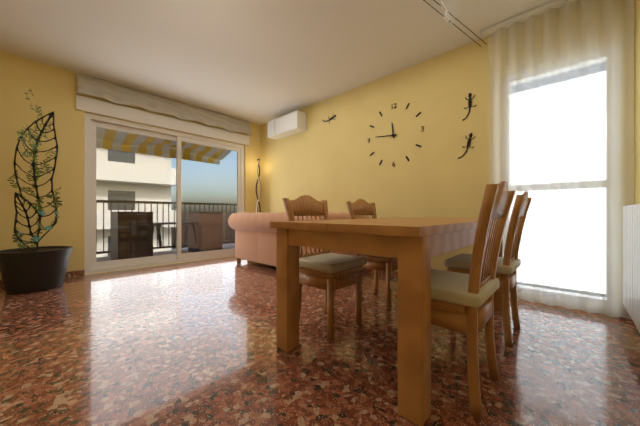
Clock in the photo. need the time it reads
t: 11:46
